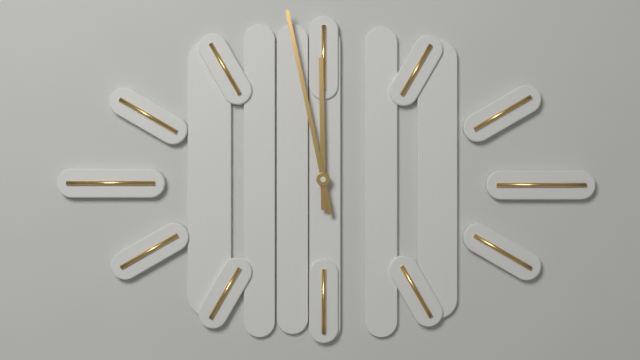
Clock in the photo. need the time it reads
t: 11:58
